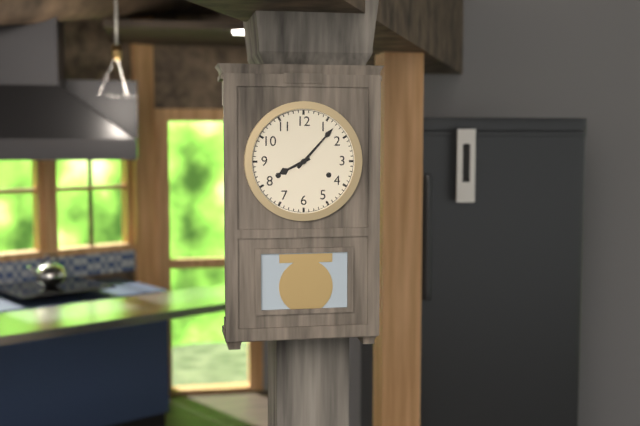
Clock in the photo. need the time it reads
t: 8:07
